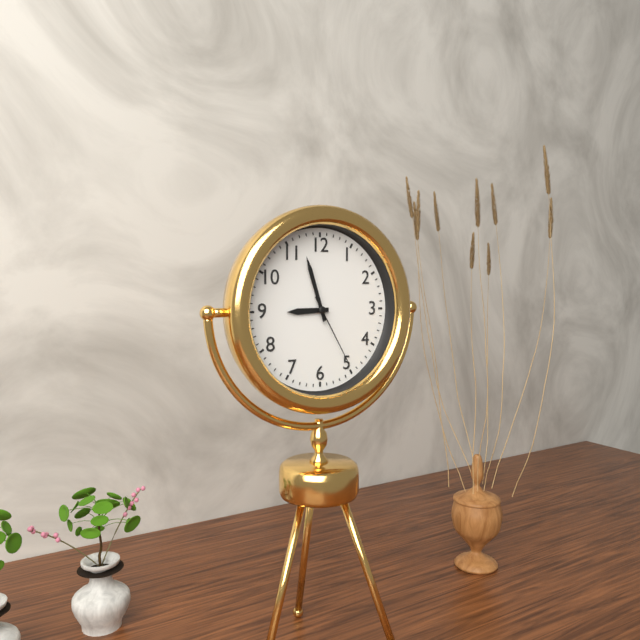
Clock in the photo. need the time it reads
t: 8:57:25
